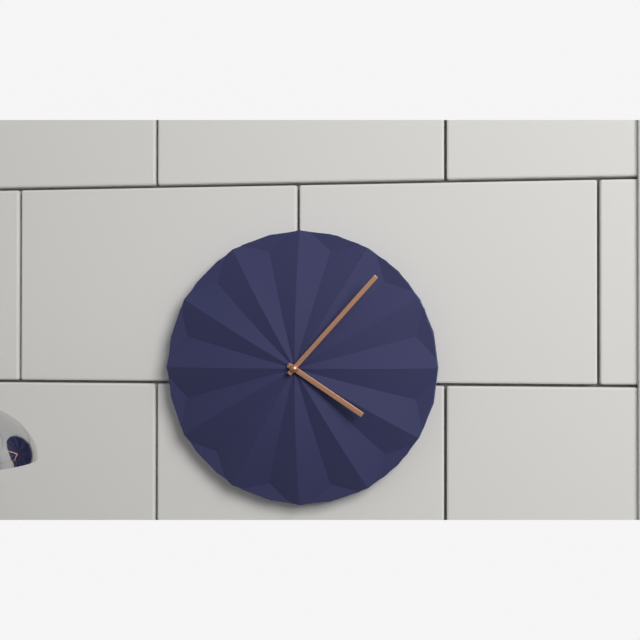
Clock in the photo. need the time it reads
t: 4:07
